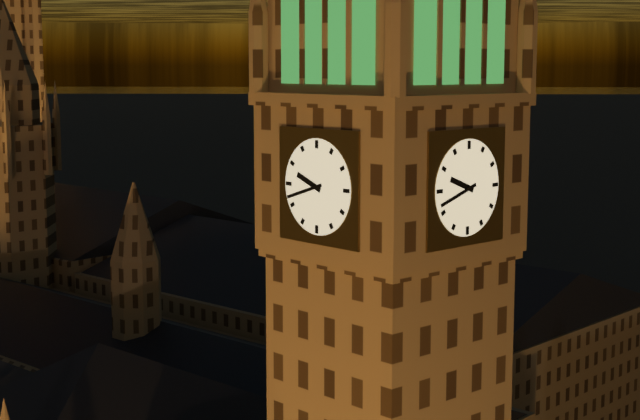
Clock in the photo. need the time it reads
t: 9:42
